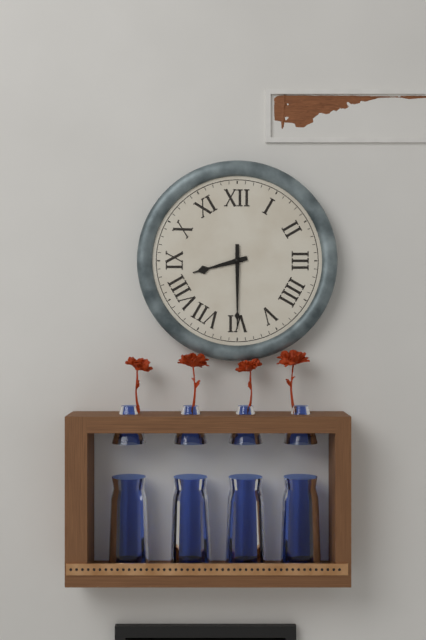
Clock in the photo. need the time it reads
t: 8:30
